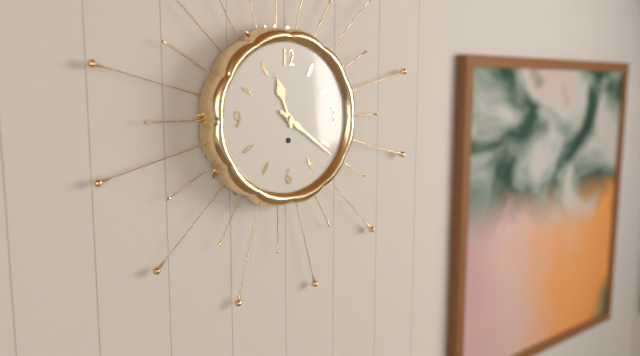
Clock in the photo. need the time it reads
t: 11:21
